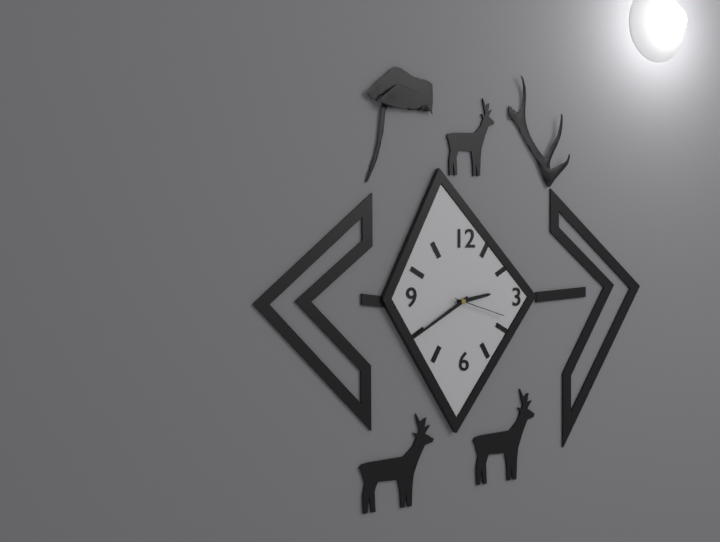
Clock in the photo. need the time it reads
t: 2:40:18
